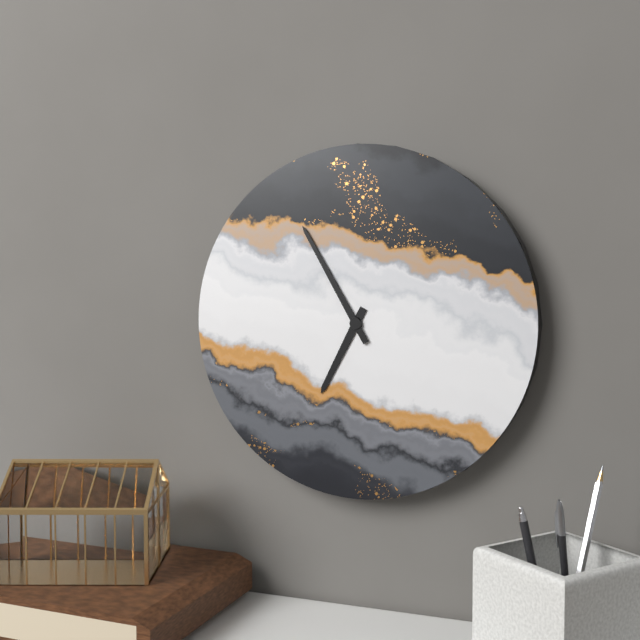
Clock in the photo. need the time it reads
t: 6:55
